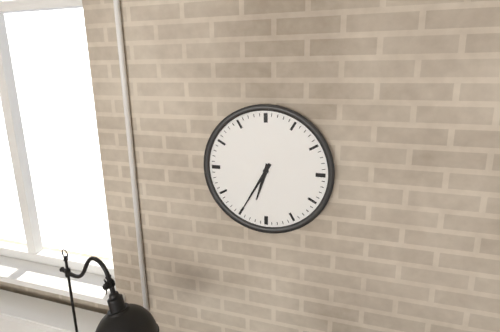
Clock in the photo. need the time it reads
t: 6:35
